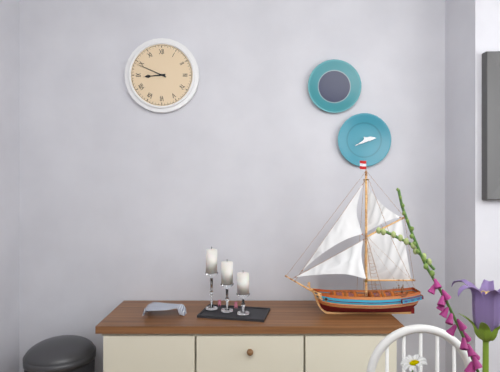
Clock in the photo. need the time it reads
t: 8:49
